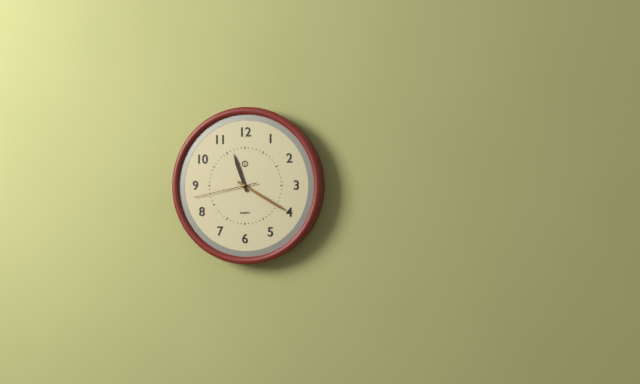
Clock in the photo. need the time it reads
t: 11:20:43
